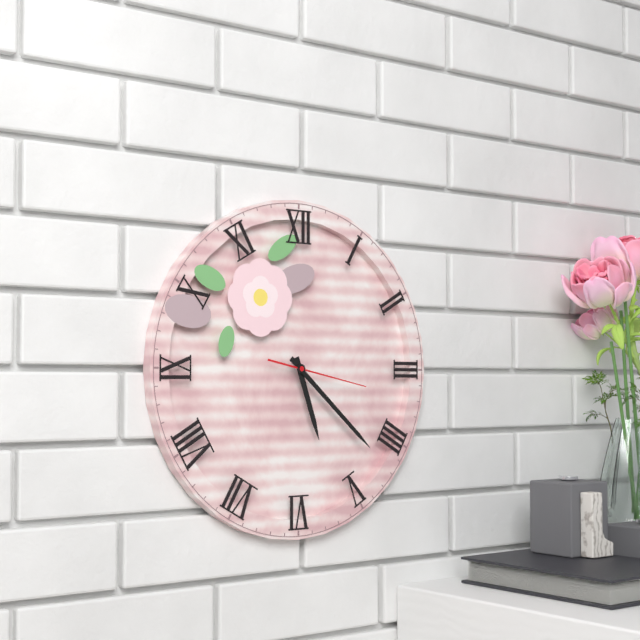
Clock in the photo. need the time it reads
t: 5:22:17
